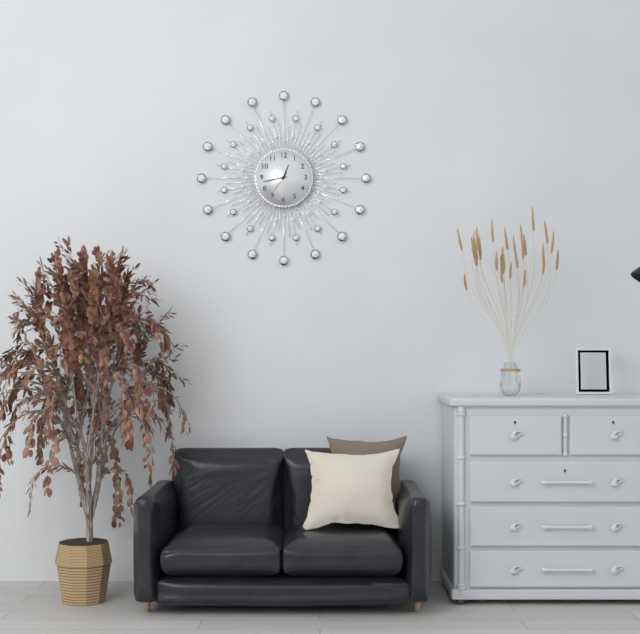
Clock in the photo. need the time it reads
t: 12:43
